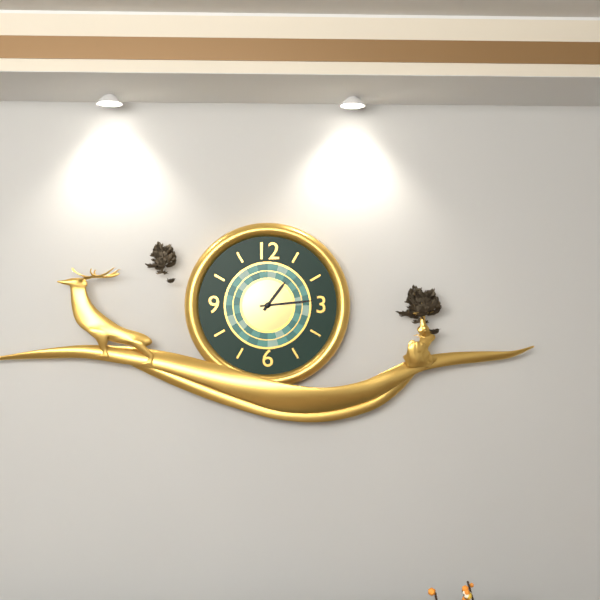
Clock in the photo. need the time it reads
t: 1:14
